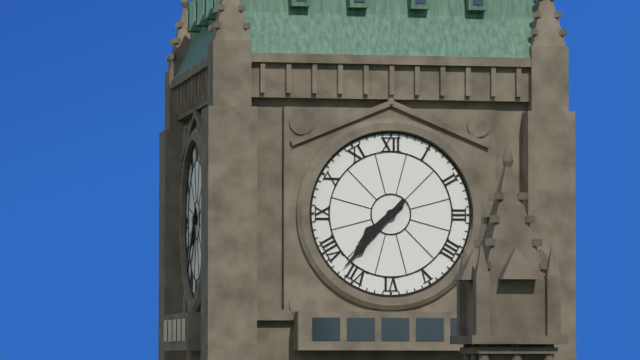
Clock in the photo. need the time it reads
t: 7:37
